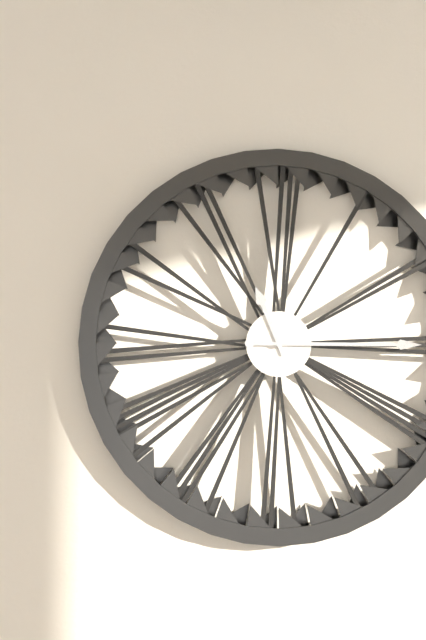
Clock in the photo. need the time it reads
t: 11:15
